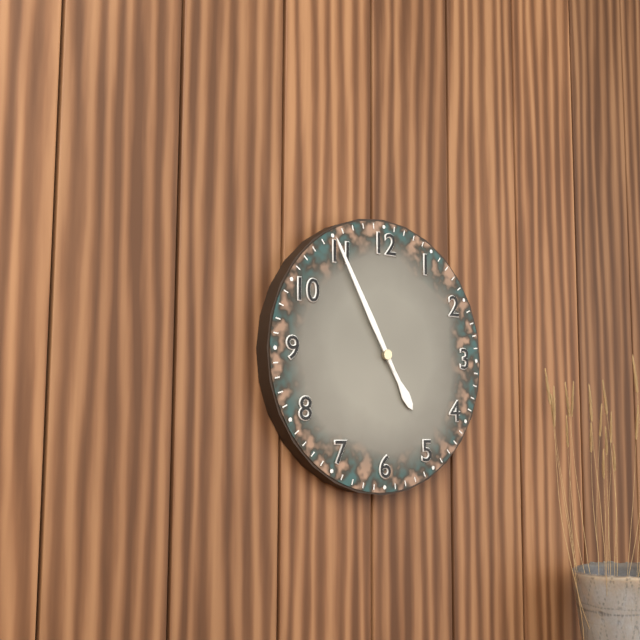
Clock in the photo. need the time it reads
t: 4:55
